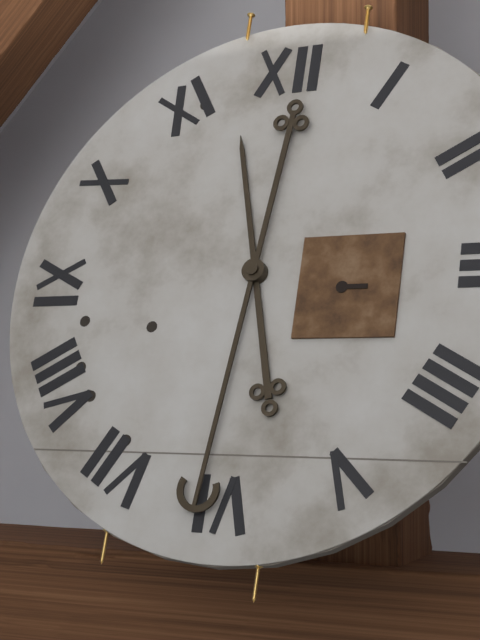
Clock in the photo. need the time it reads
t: 11:31
